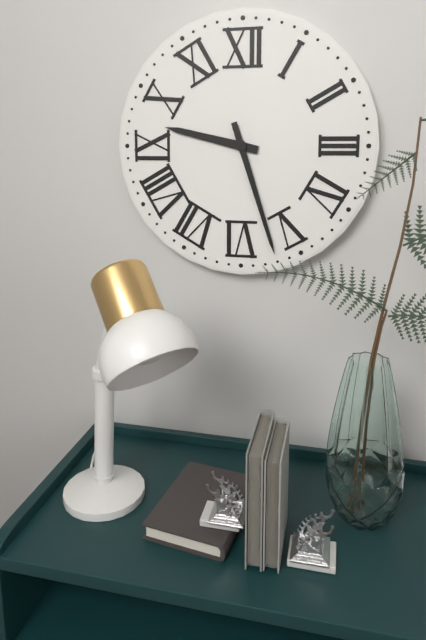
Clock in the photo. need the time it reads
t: 9:27
